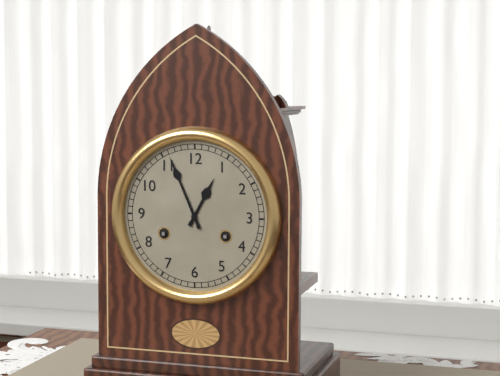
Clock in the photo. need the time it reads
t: 12:56
